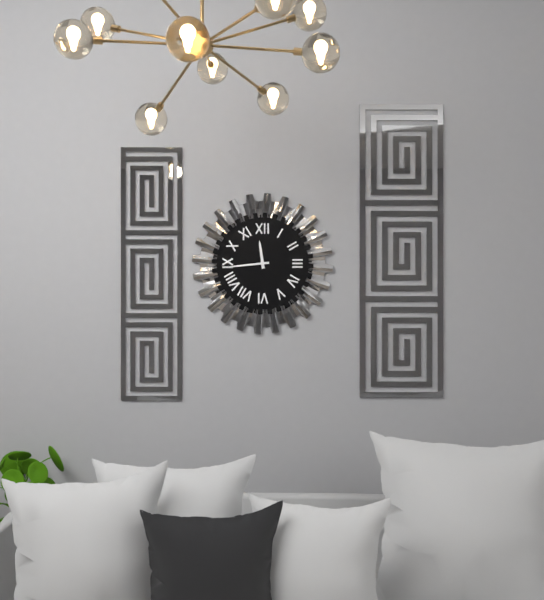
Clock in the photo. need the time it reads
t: 11:44
